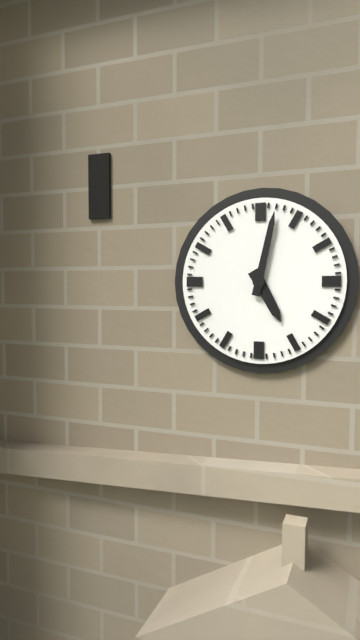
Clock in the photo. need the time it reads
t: 5:02
